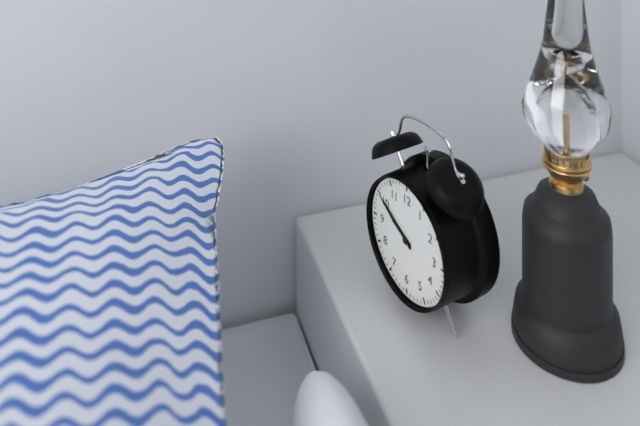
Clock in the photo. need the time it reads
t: 9:50
